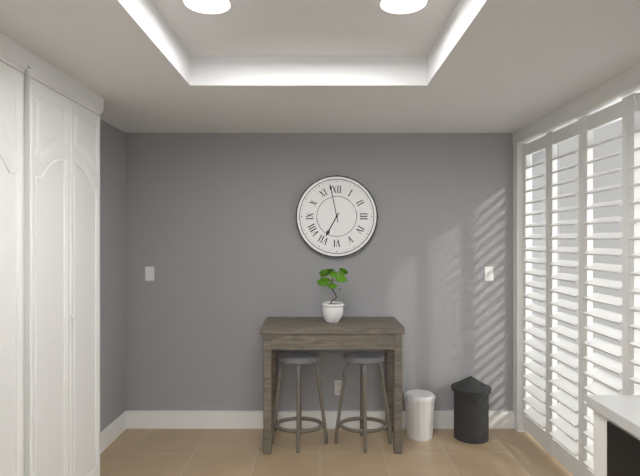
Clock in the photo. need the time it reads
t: 6:58
